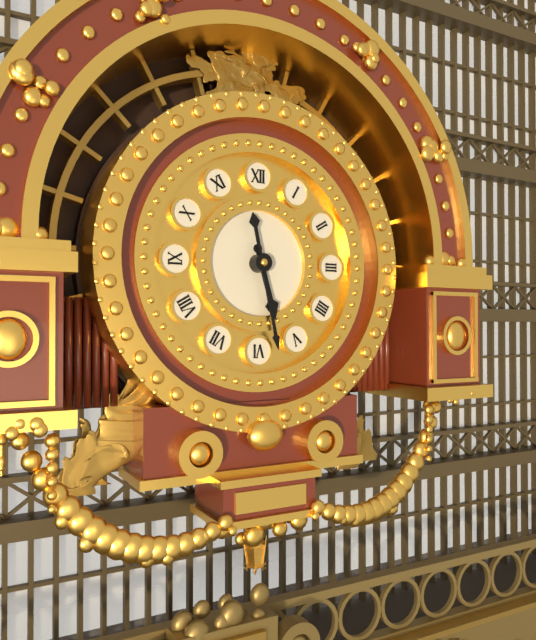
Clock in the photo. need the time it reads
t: 5:28
